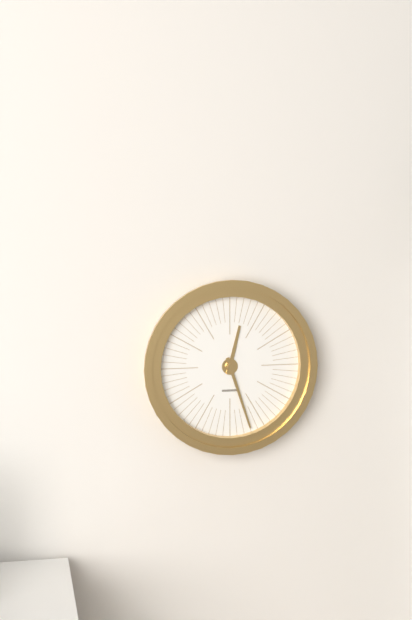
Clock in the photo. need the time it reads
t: 12:27
